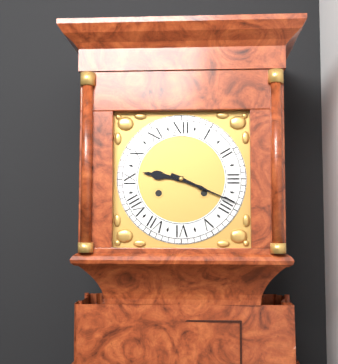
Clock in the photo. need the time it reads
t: 9:19
